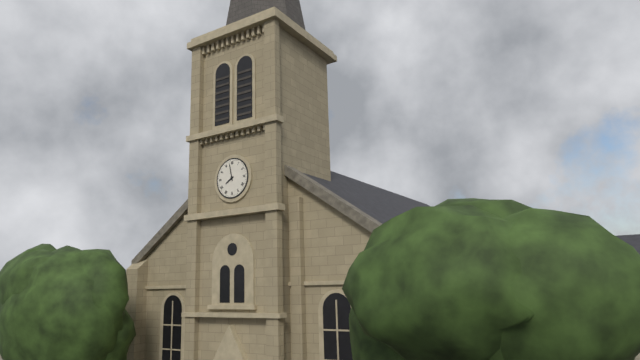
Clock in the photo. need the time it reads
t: 7:58
